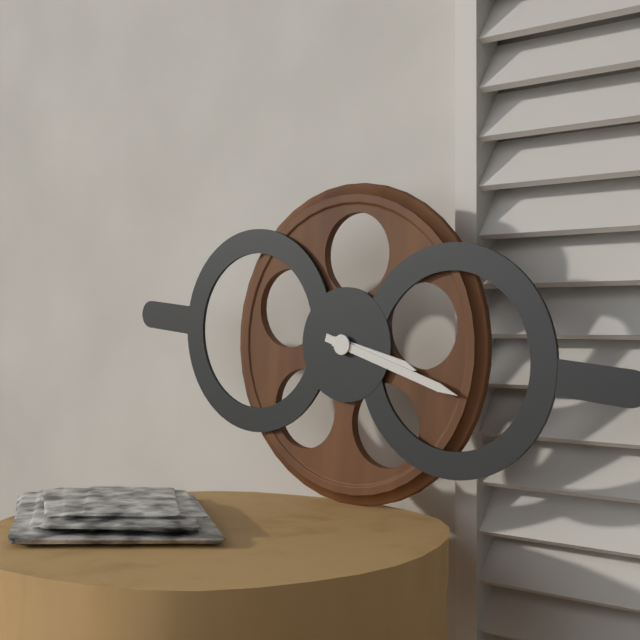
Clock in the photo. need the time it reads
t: 3:17
